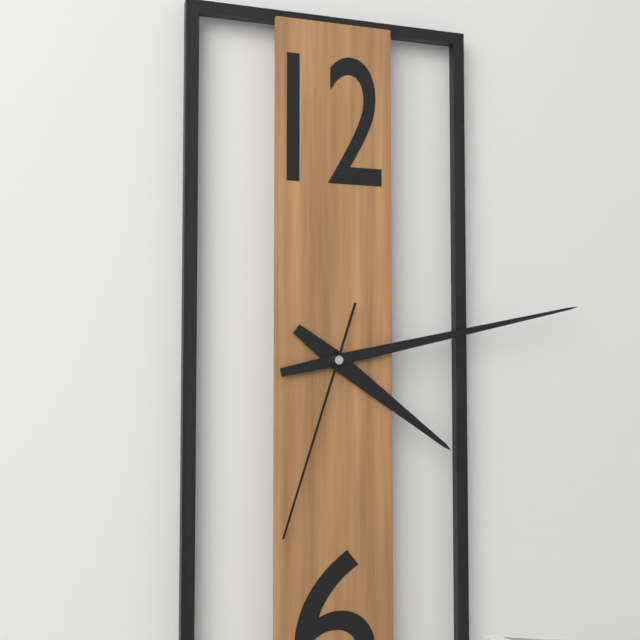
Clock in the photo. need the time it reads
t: 4:13:33
